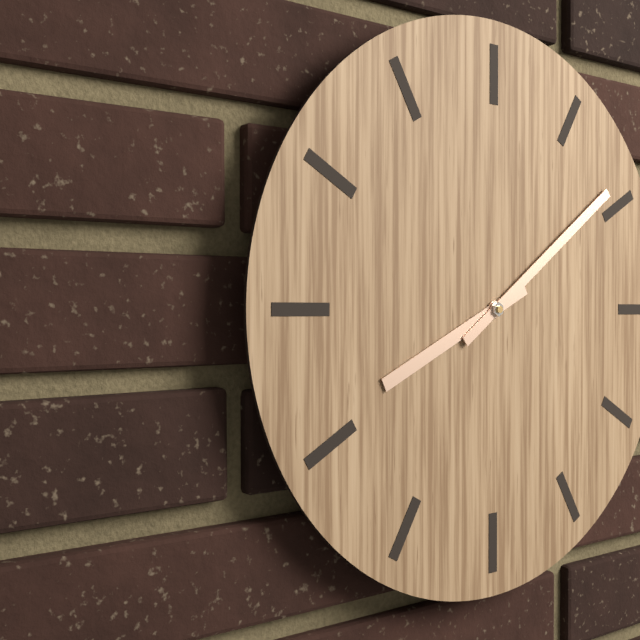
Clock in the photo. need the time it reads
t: 8:09
